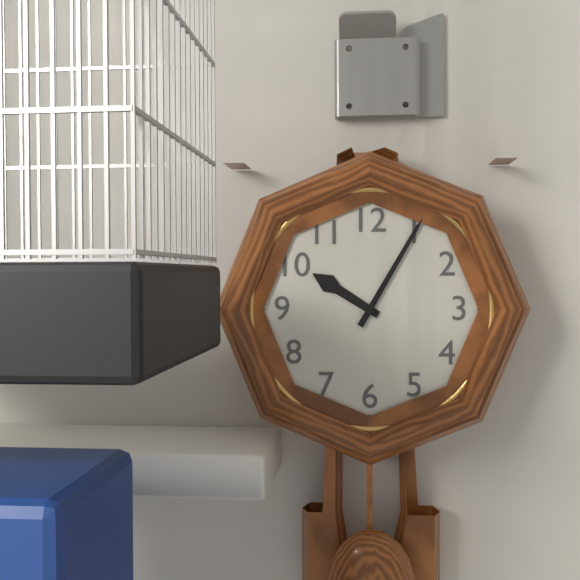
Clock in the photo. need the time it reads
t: 10:05
